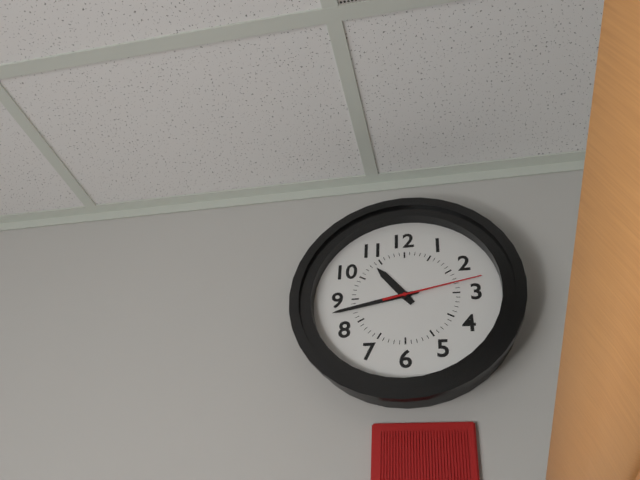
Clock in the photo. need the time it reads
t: 10:43:13
